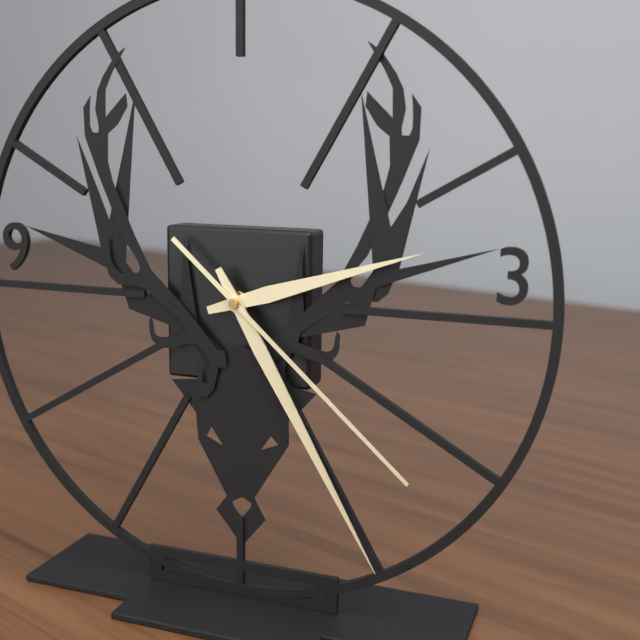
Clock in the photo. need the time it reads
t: 2:25:22
